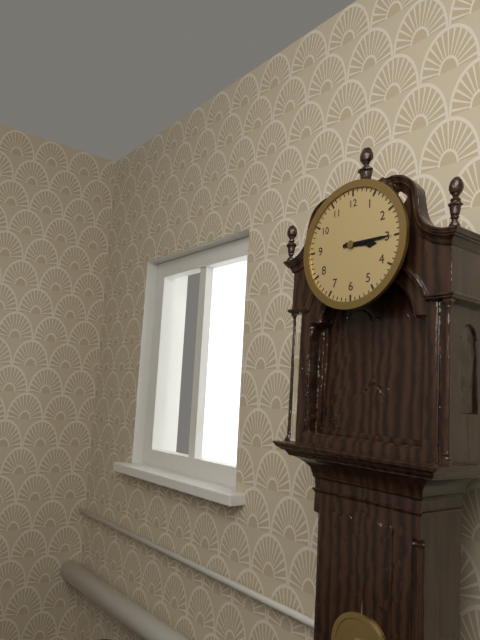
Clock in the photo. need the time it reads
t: 3:15
